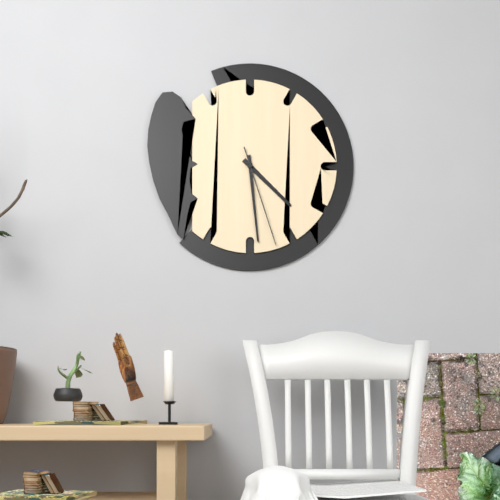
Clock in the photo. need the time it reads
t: 4:29:27
